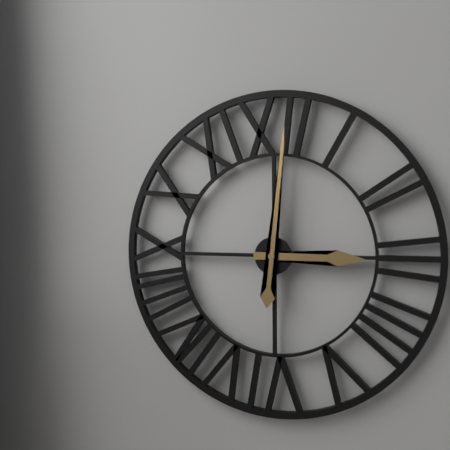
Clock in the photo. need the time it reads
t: 3:01
